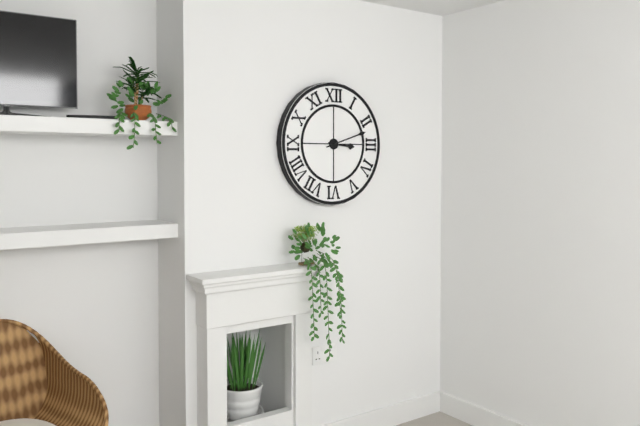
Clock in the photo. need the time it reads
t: 3:12
